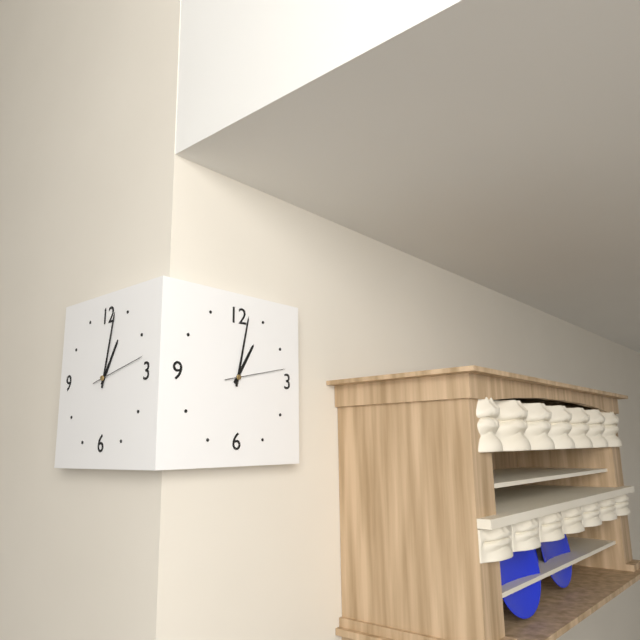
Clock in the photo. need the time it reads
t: 1:02:13
